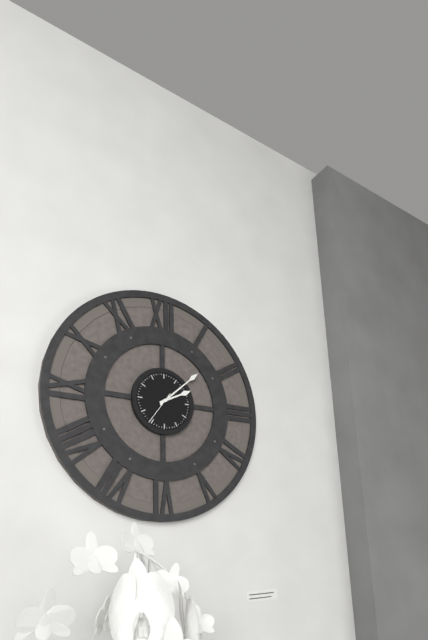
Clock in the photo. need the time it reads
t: 2:08
